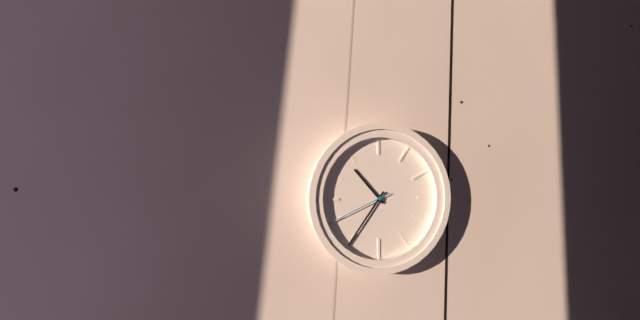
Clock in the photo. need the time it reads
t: 10:36:41
